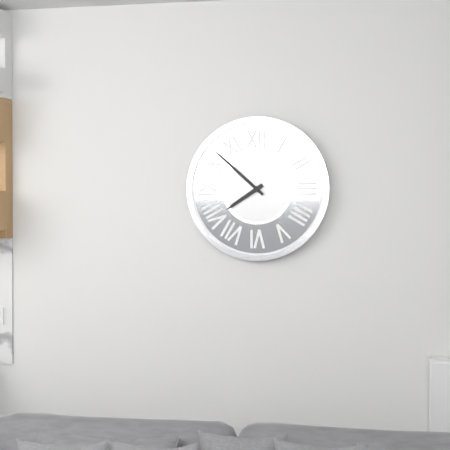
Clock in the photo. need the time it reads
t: 7:52
